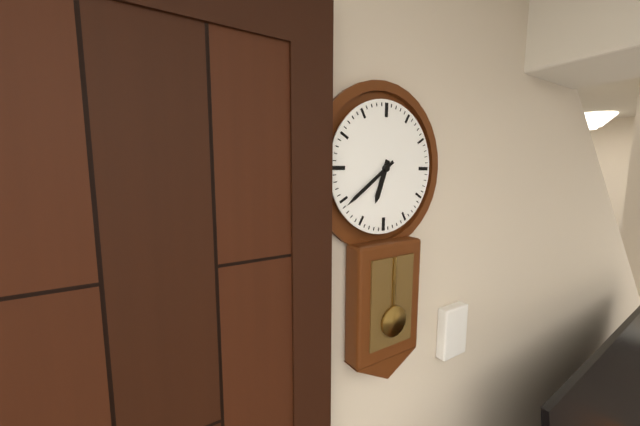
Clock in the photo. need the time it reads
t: 6:39
